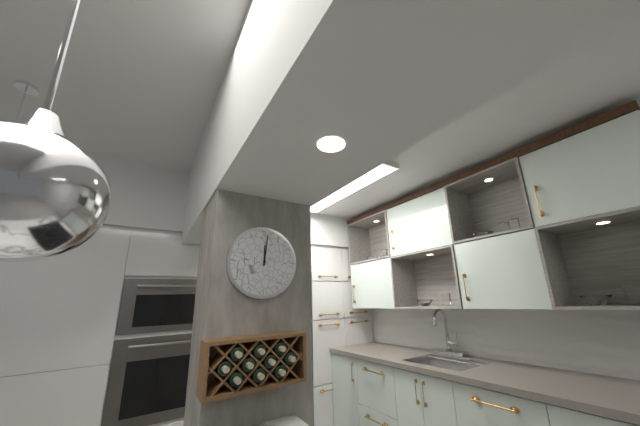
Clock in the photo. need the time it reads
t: 12:01
